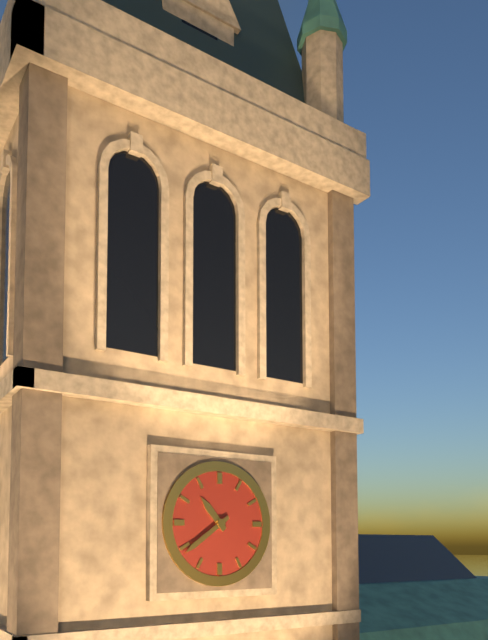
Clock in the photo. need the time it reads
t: 10:39
